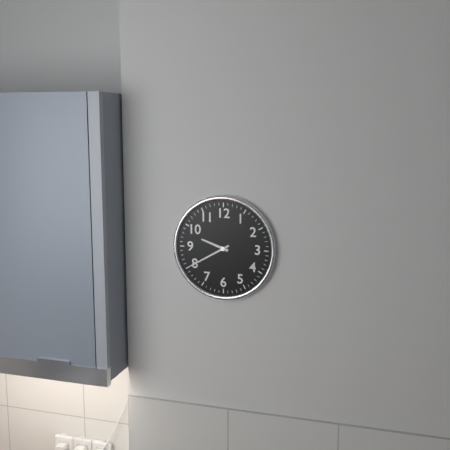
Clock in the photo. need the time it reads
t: 9:40
